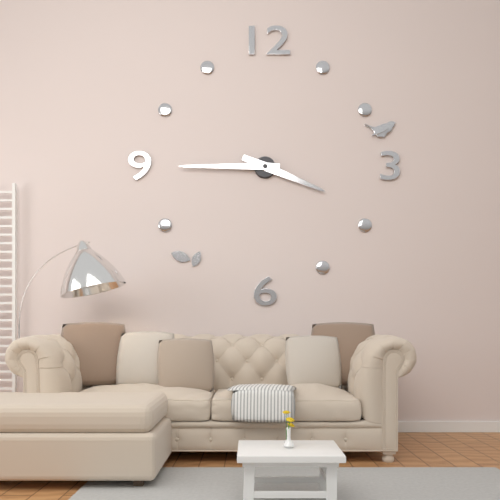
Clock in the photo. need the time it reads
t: 3:45
